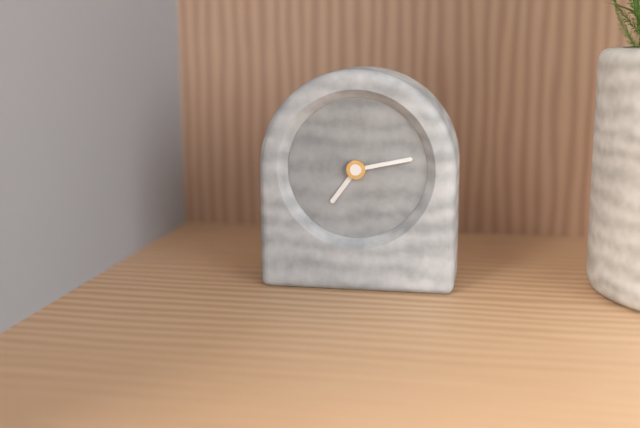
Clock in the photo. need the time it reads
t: 7:13
